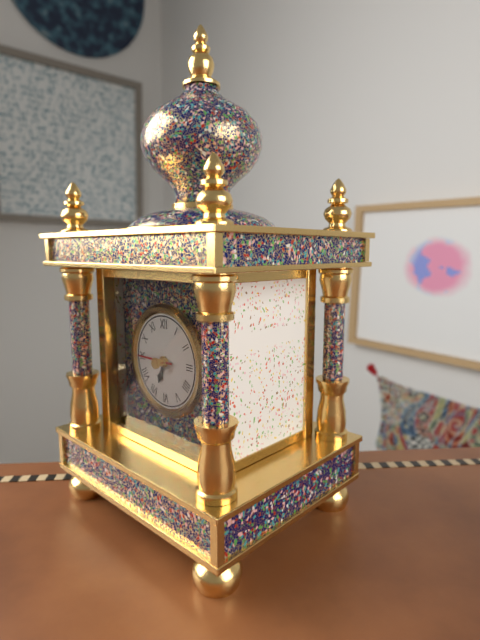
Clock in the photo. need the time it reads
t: 6:45
